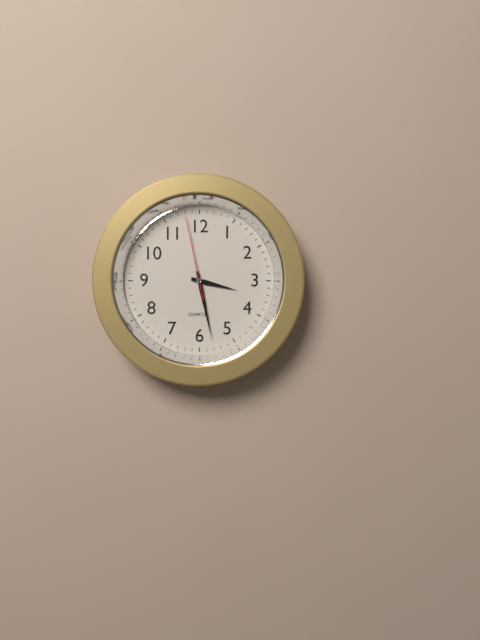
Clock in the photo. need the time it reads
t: 3:28:58
